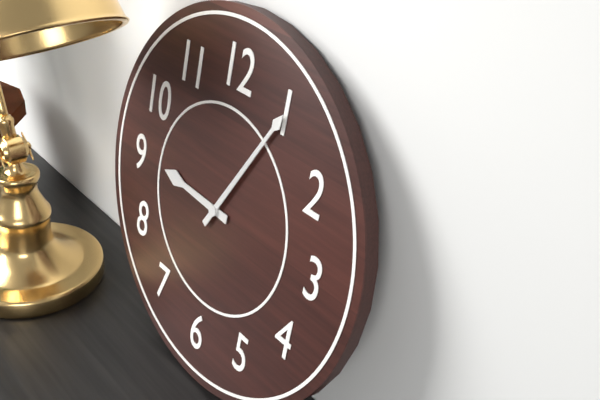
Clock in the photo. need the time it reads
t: 9:05
